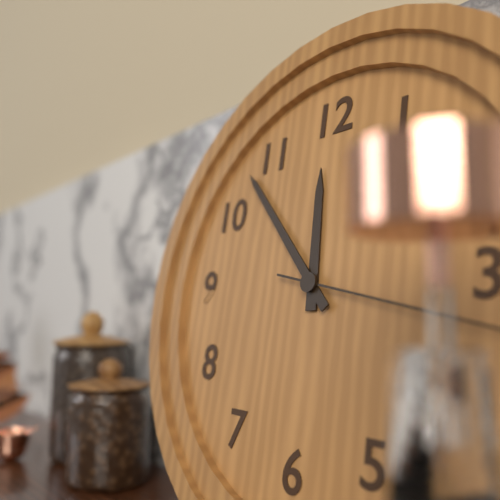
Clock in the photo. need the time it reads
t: 11:53
